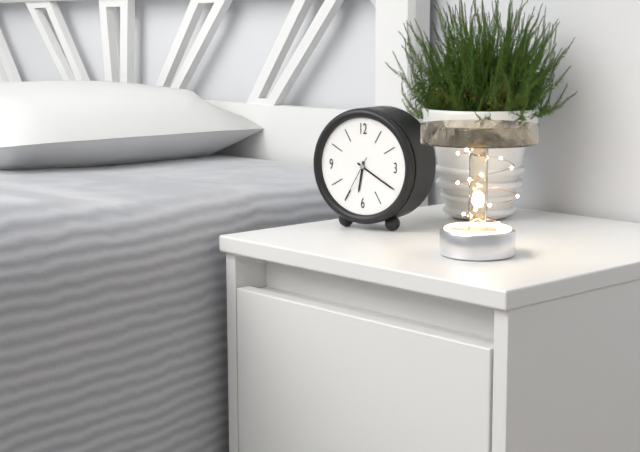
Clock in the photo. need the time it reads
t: 6:20
